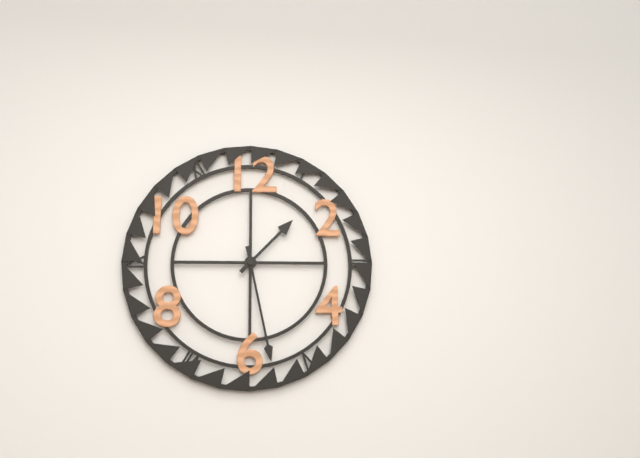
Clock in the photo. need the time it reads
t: 1:28
